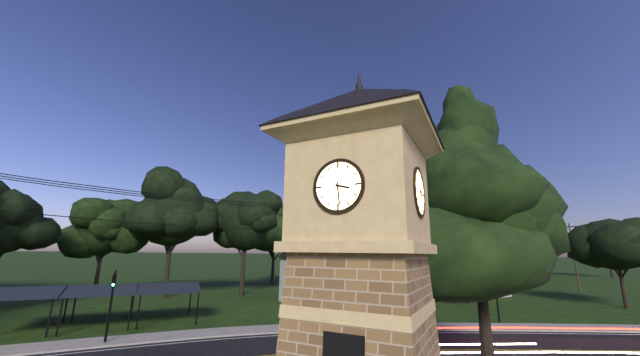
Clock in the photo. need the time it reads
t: 3:29
